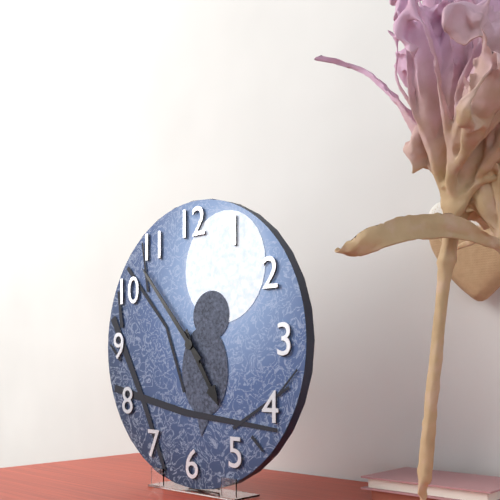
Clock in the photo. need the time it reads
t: 4:53
